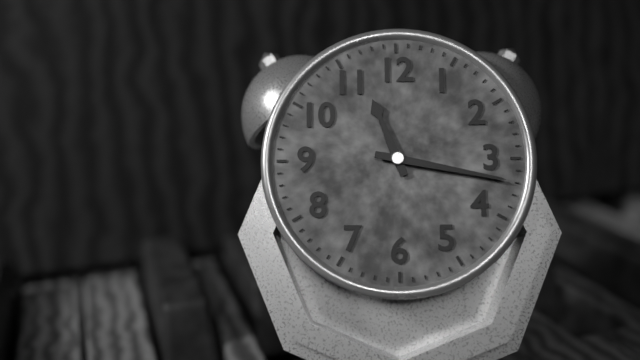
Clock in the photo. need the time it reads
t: 11:17
